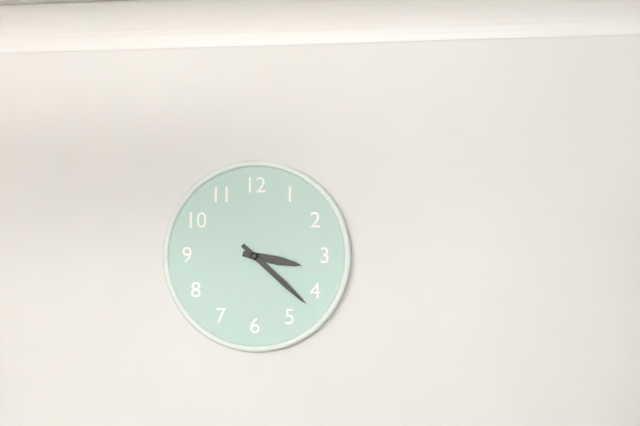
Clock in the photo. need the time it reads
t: 3:22
